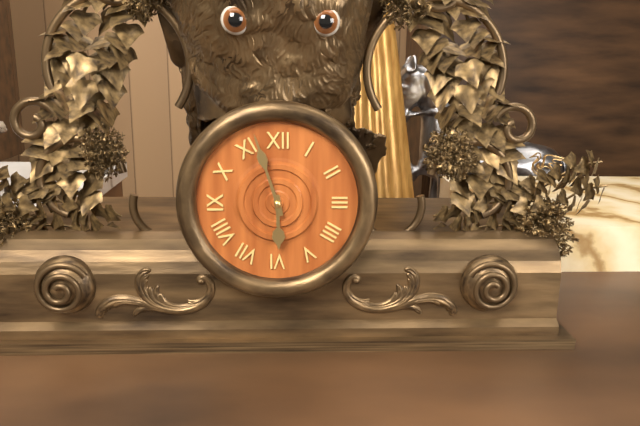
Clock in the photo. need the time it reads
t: 5:57
